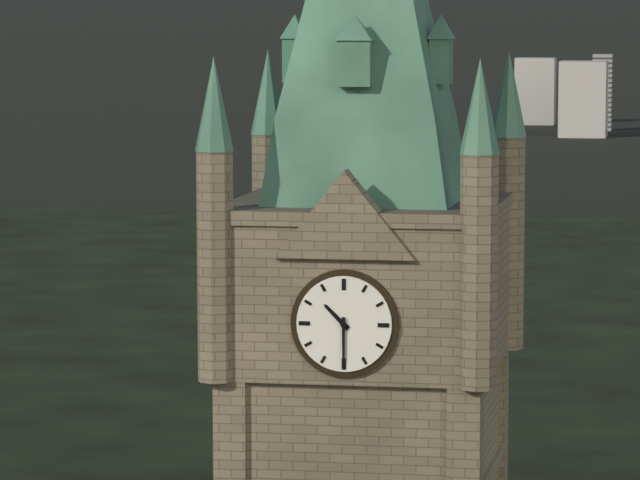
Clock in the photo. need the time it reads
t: 10:30
